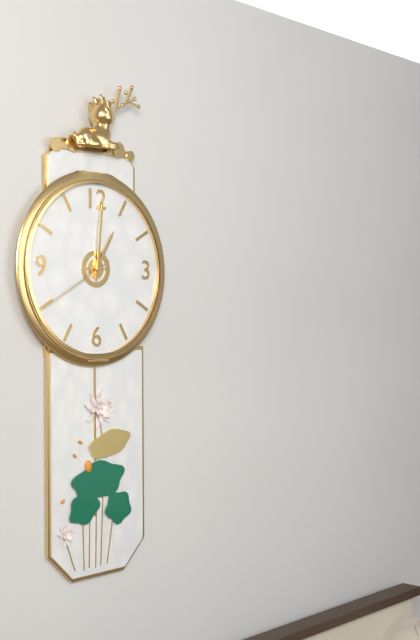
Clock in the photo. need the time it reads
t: 1:01:40
